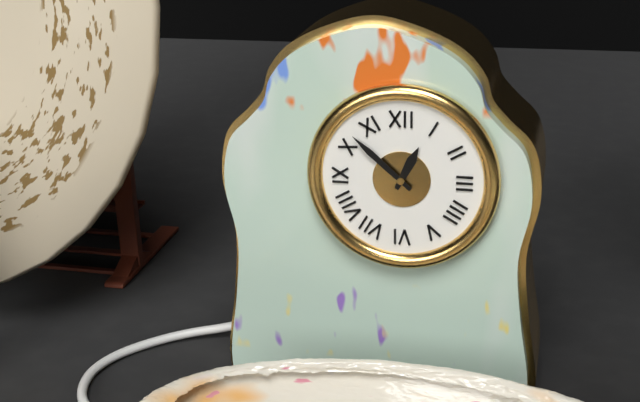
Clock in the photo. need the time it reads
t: 12:52
